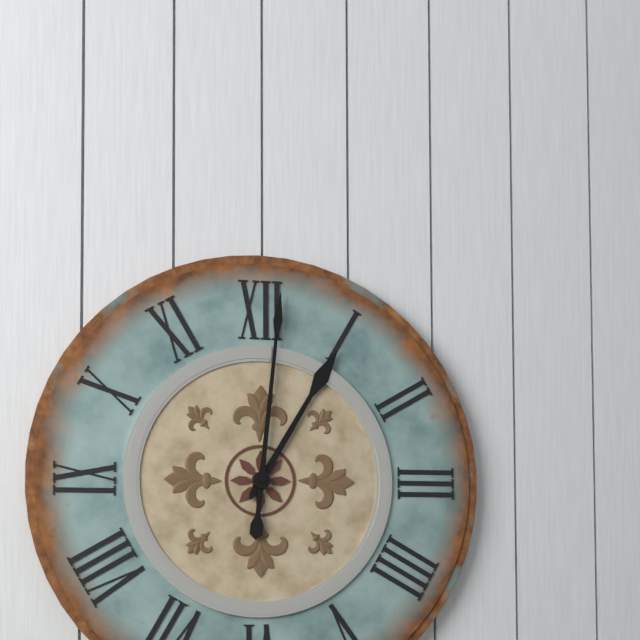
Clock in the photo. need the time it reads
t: 1:01
